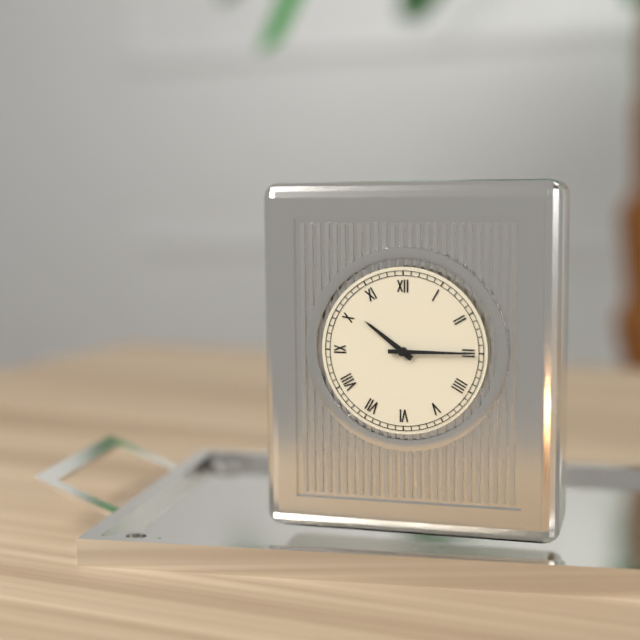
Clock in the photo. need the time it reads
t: 10:15
